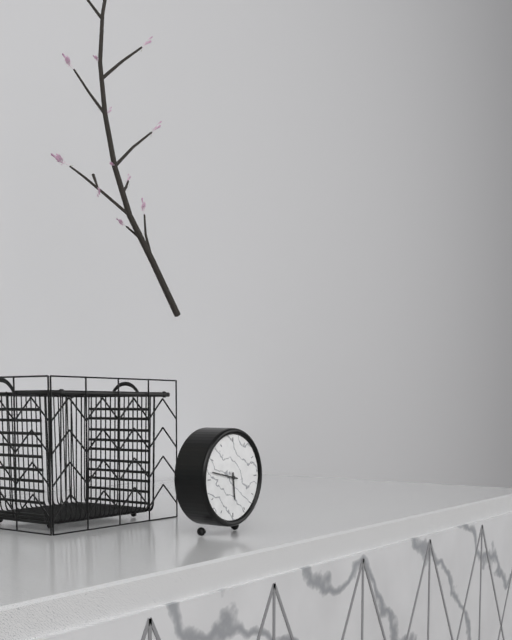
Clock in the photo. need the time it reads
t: 5:47
